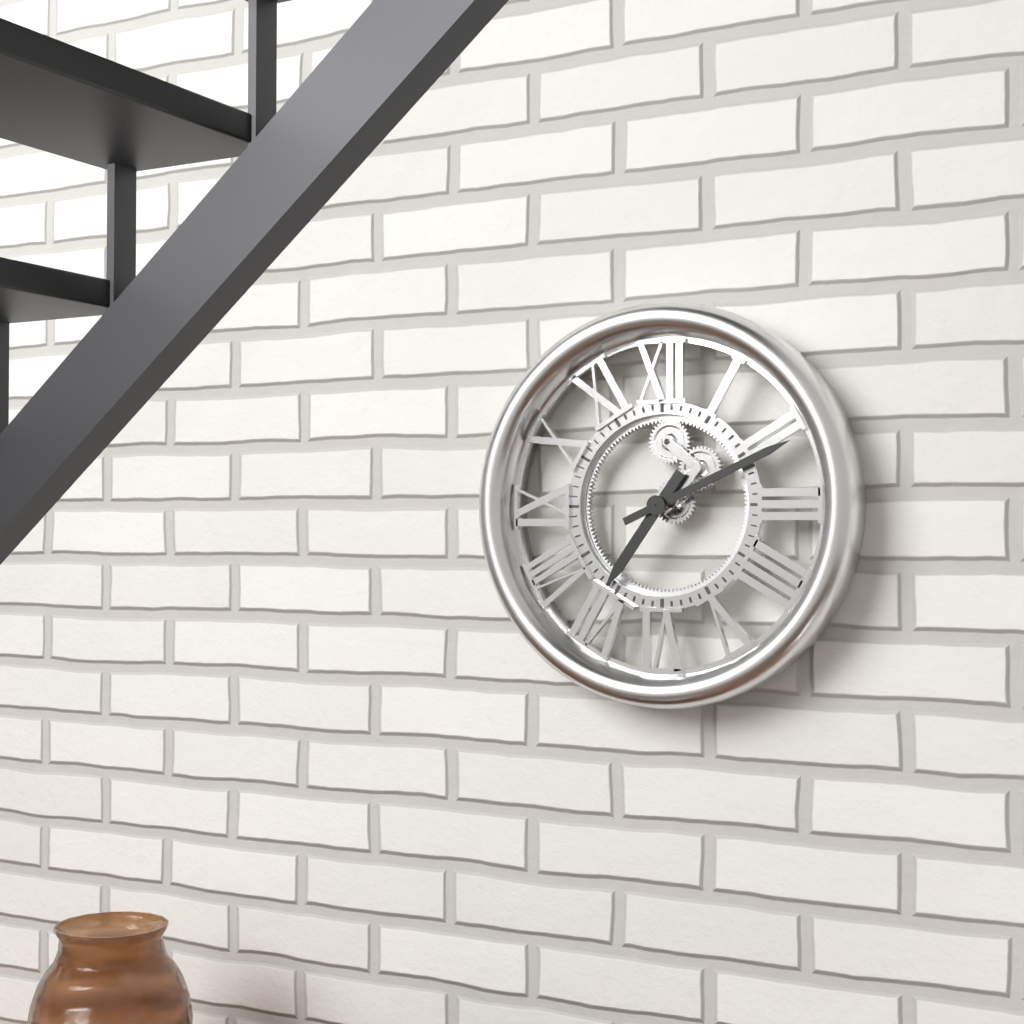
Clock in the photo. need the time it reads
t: 7:11
